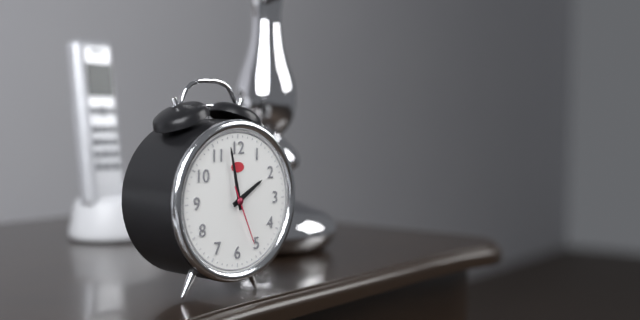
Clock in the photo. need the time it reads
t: 1:58:26
